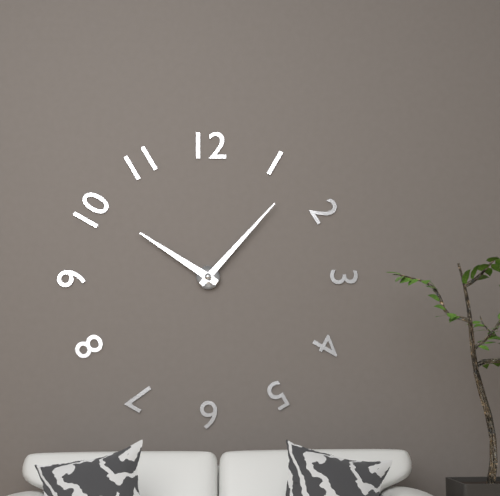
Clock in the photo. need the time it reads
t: 10:07
